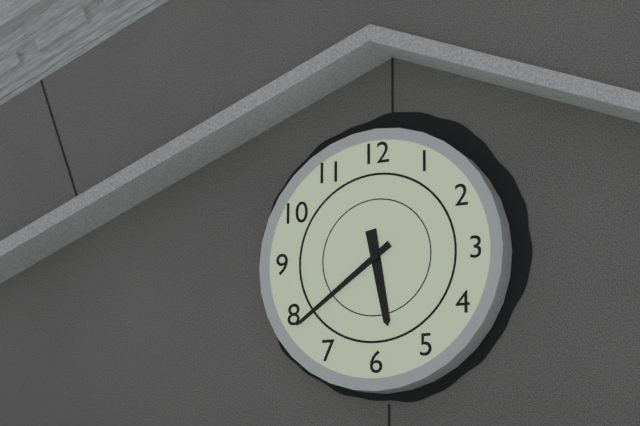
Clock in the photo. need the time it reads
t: 5:39
